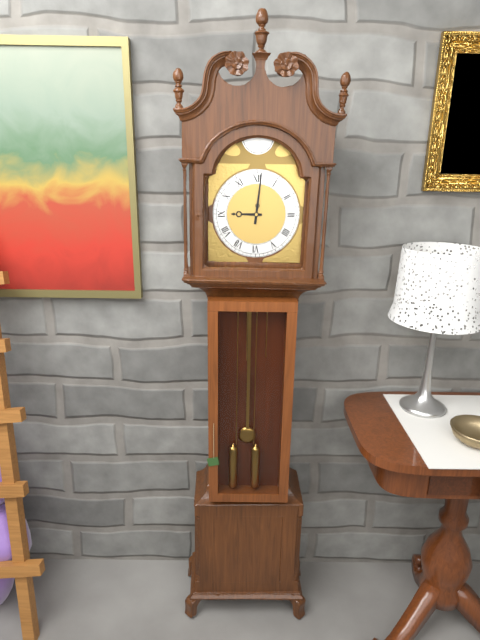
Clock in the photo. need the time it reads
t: 9:01
